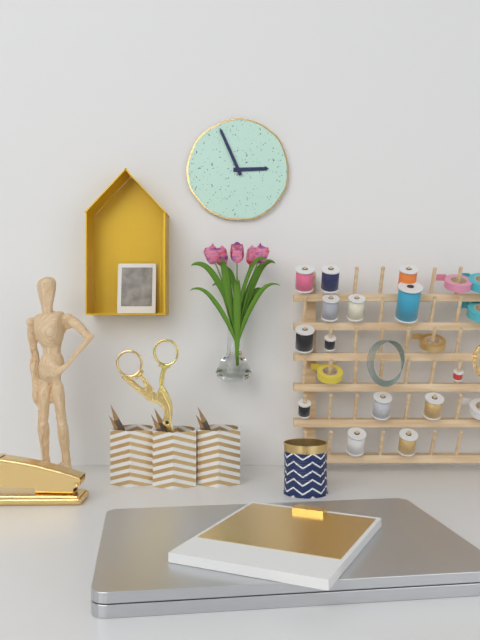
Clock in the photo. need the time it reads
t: 2:56
